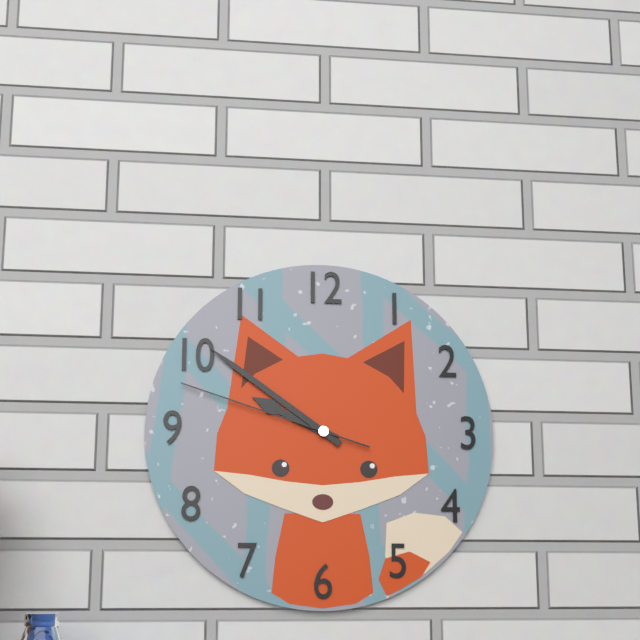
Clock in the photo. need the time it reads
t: 9:51:48
